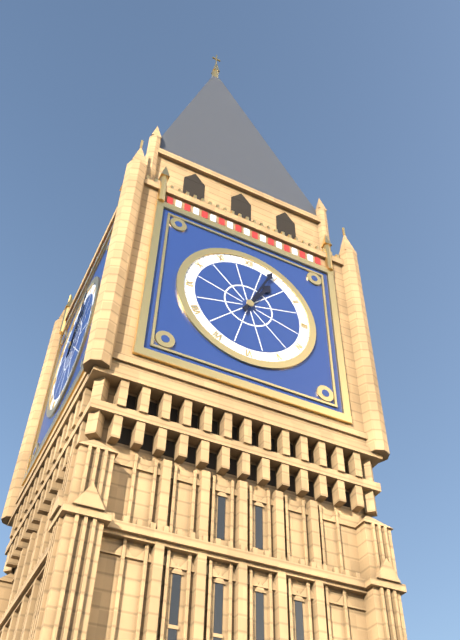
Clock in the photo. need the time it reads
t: 1:04
